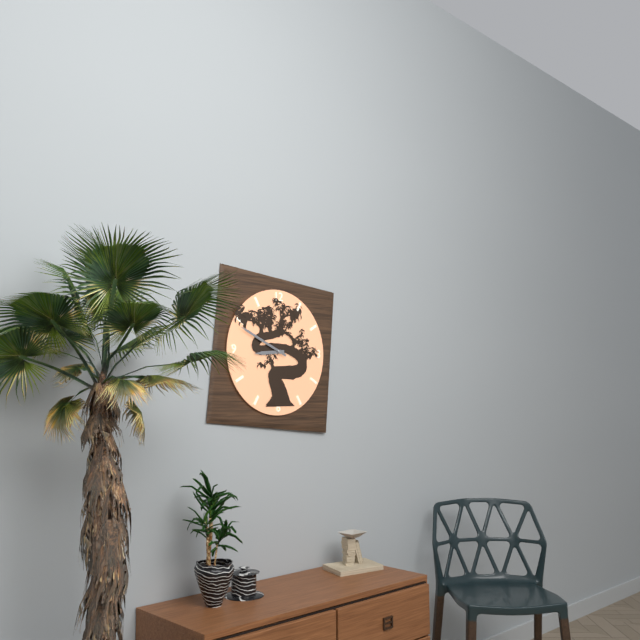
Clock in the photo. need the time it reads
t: 8:49
